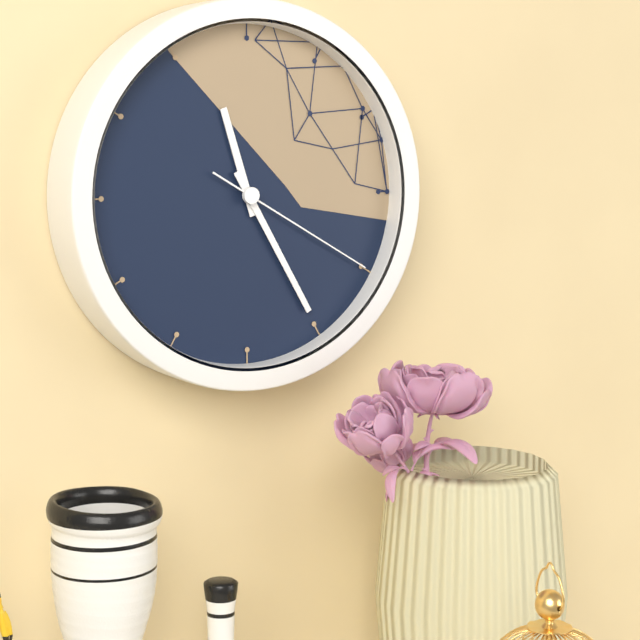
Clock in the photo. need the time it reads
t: 11:25:20
